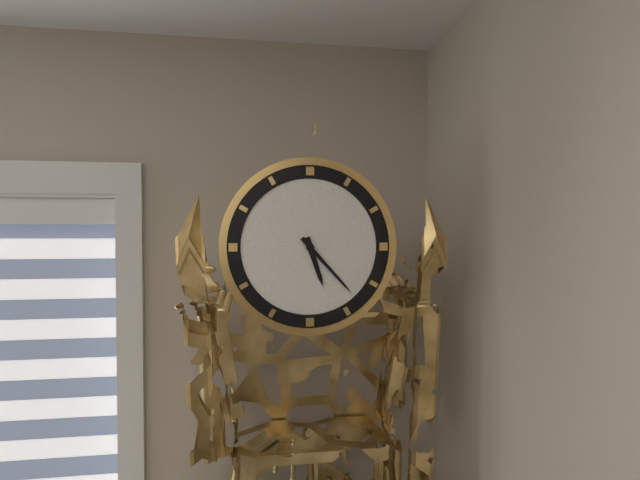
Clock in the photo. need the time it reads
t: 5:23
